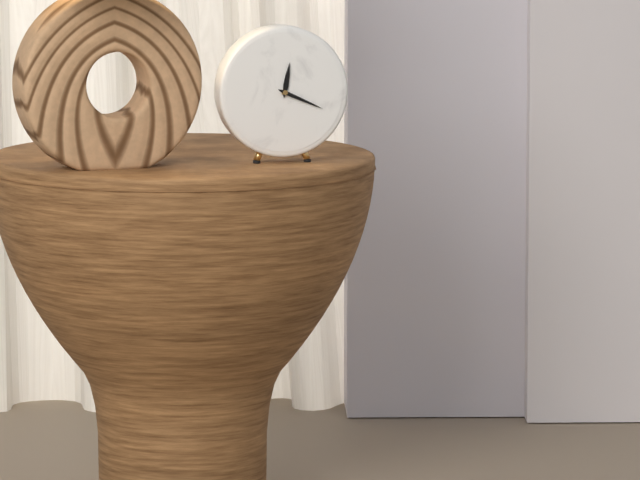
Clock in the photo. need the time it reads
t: 12:19
